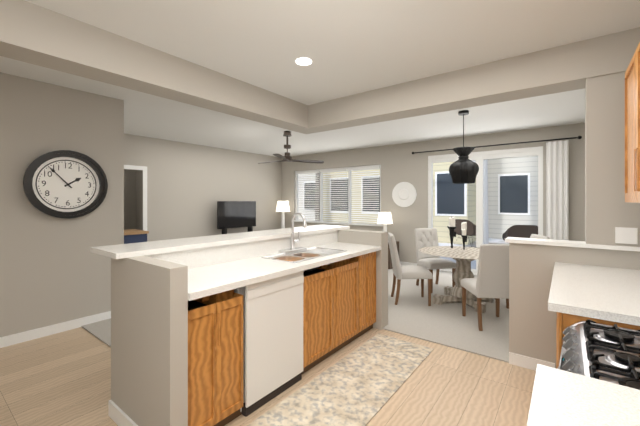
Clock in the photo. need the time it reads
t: 1:53
